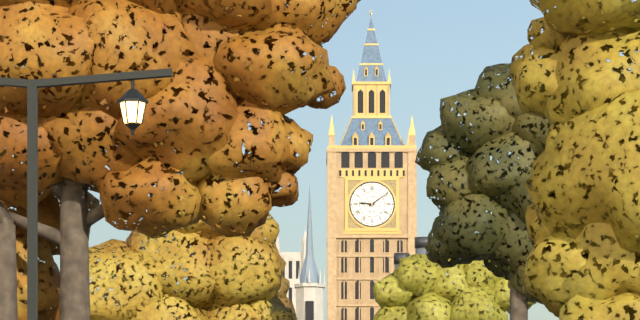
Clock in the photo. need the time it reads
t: 9:09
